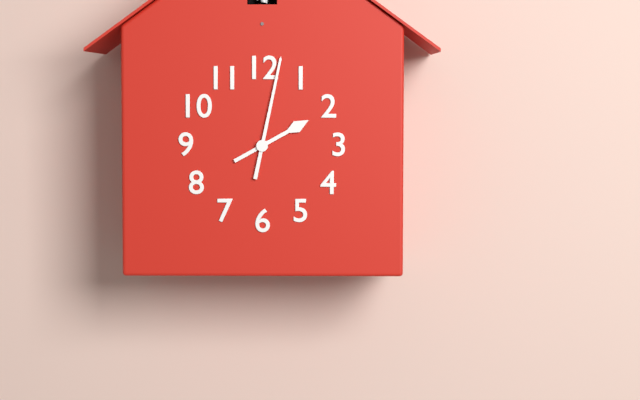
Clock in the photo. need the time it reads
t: 2:02
